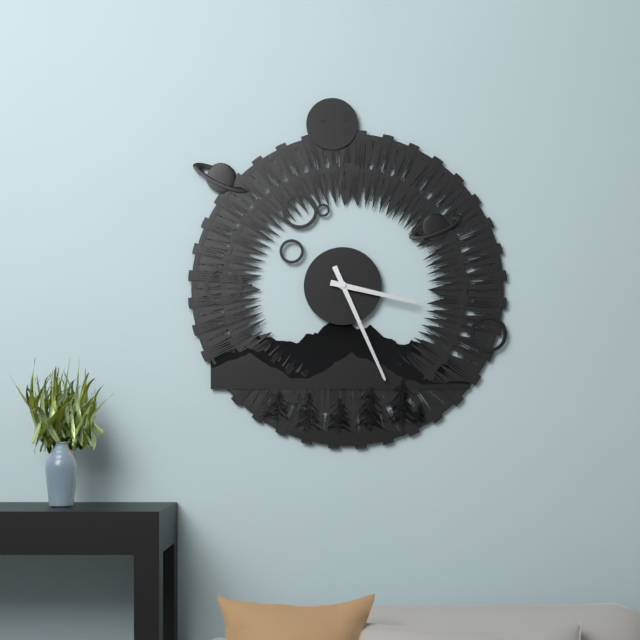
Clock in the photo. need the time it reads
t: 3:26
